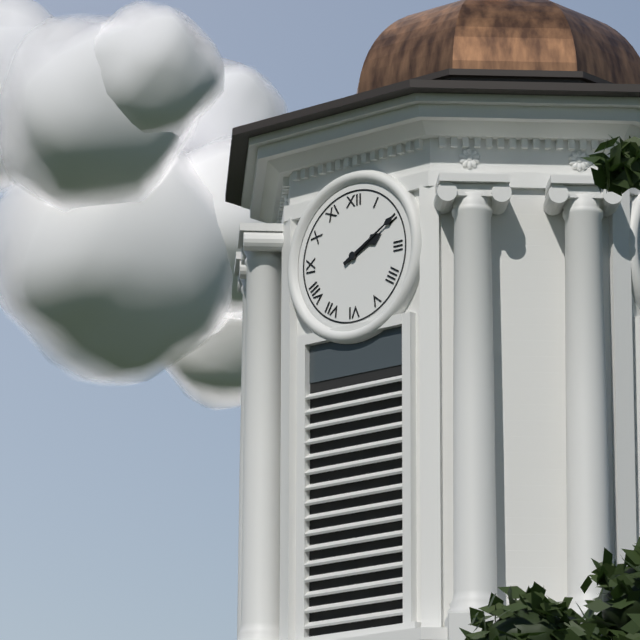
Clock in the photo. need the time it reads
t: 2:10
